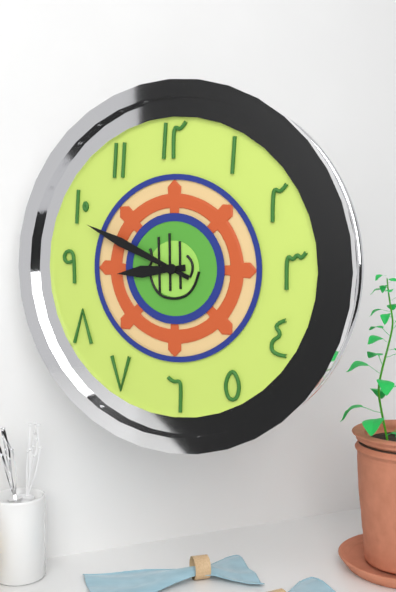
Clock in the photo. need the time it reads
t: 8:49
